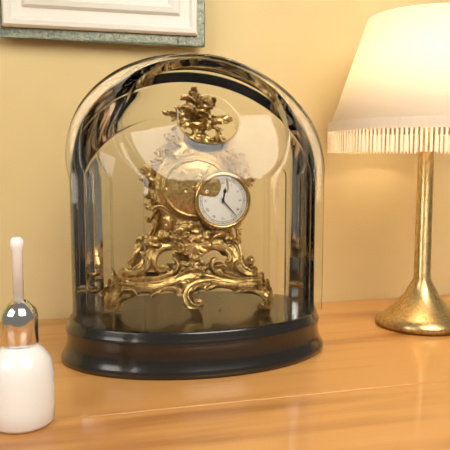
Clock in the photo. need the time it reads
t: 12:23
